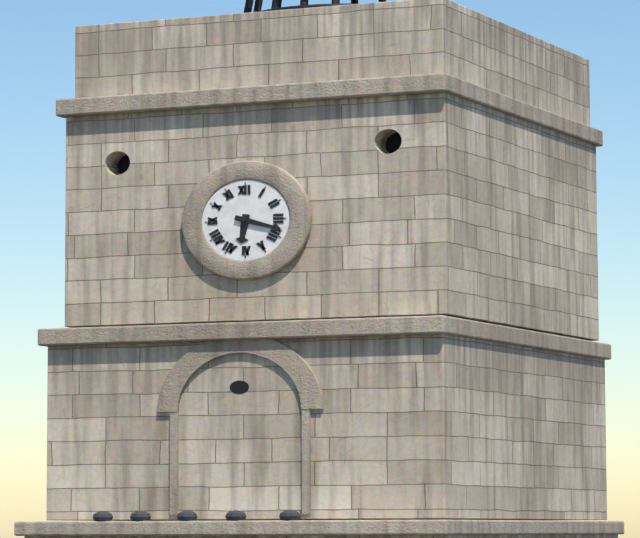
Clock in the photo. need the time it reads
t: 6:18
